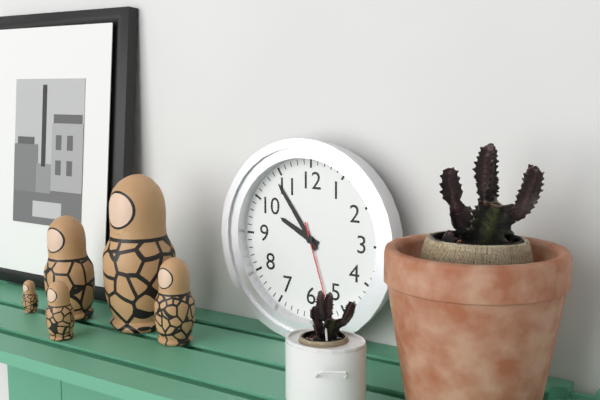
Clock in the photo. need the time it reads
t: 9:54:27
